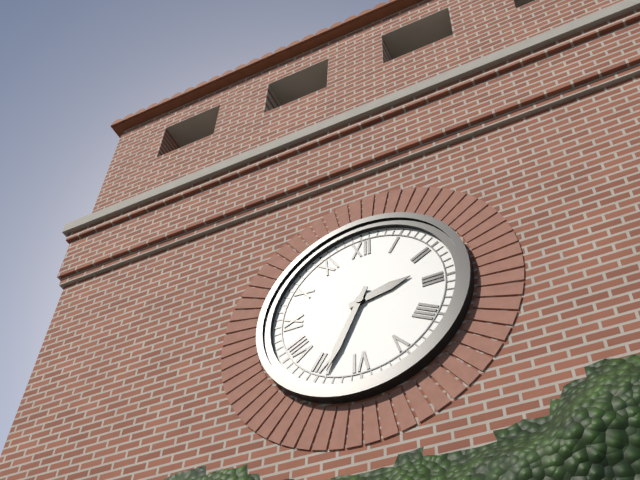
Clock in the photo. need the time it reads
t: 2:34
